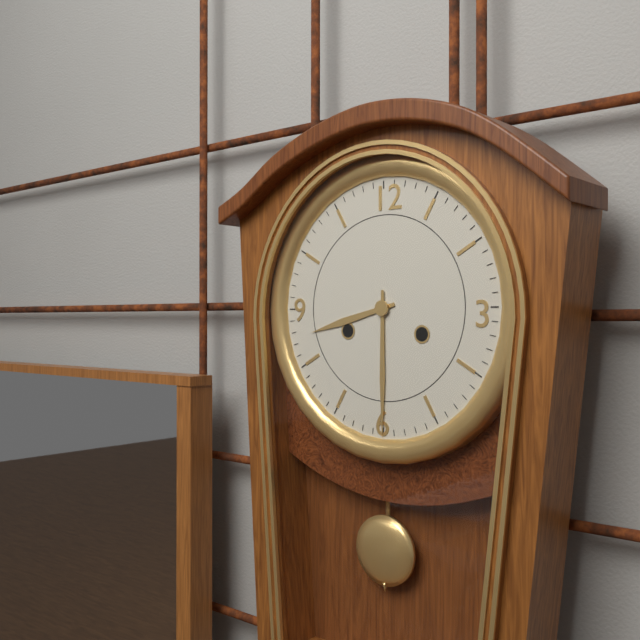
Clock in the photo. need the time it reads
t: 8:30
